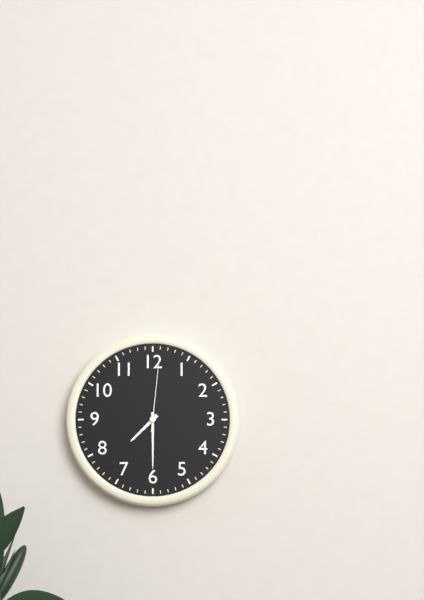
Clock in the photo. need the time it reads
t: 7:30:01
